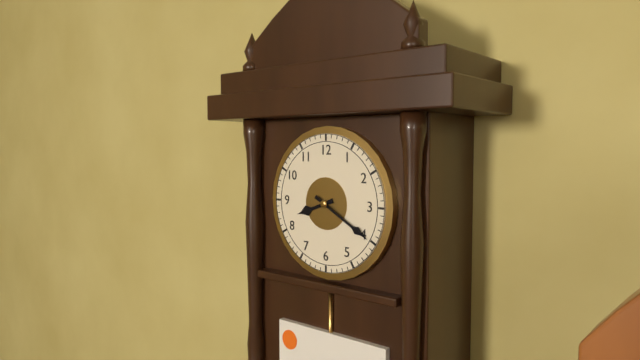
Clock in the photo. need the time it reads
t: 8:20
